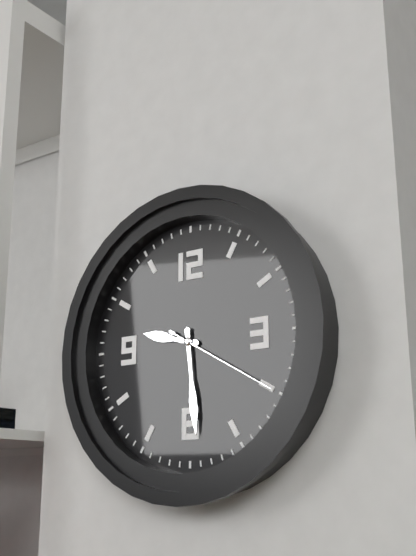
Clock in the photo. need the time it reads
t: 9:29:20
